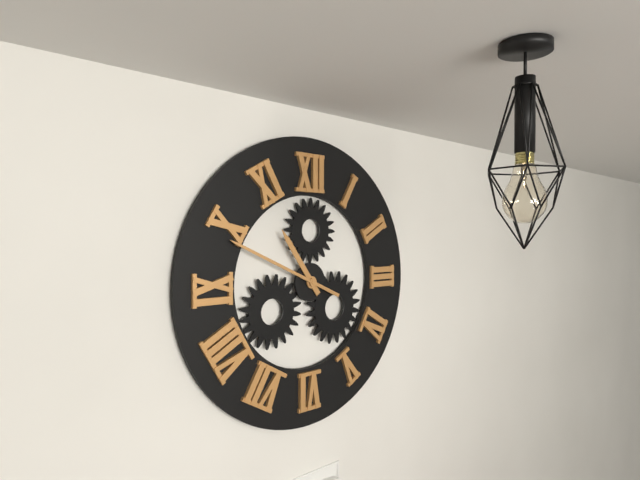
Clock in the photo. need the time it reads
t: 10:49
